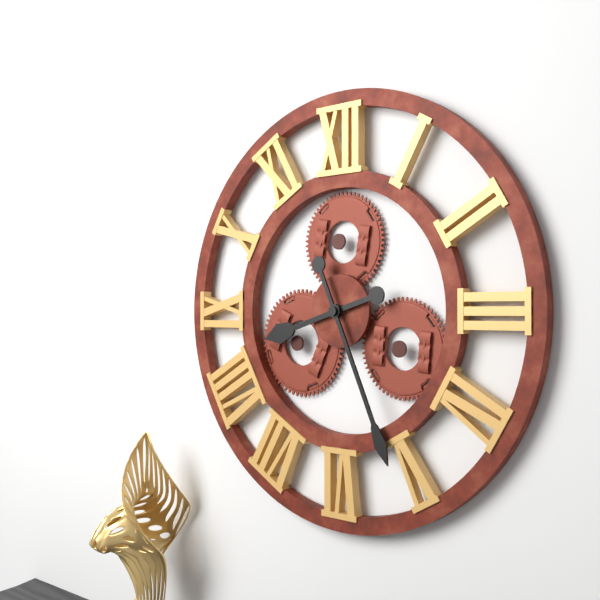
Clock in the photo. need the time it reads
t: 8:26
